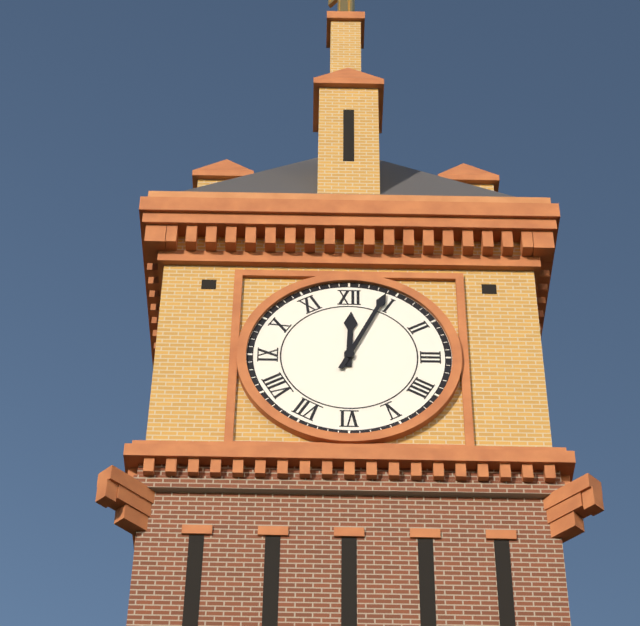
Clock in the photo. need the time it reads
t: 12:04
